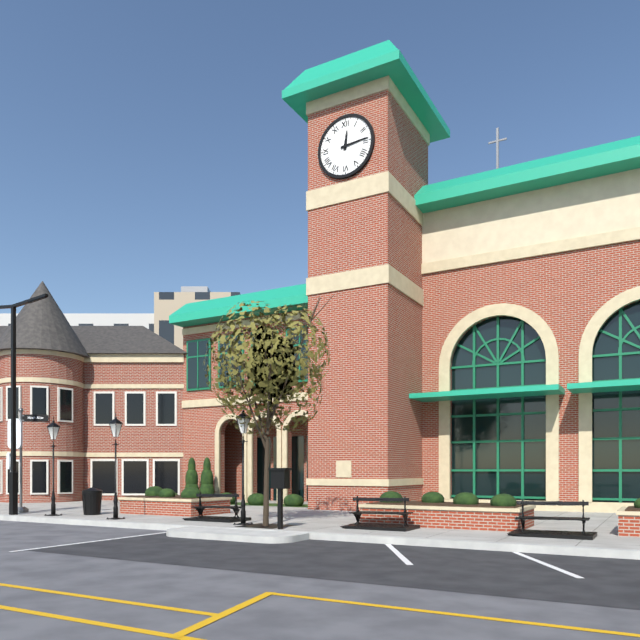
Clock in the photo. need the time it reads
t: 12:14
